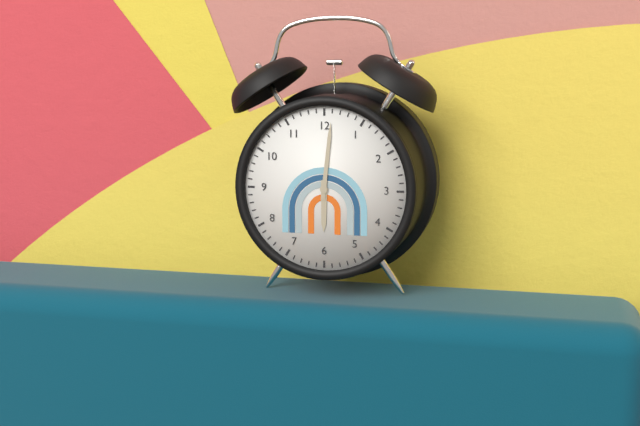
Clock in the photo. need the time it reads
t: 6:01
